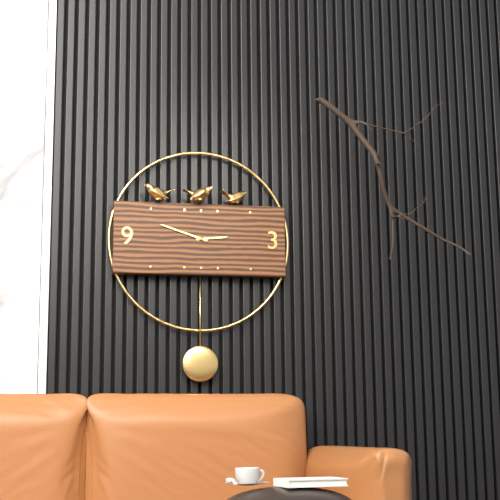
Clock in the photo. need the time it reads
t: 2:48
